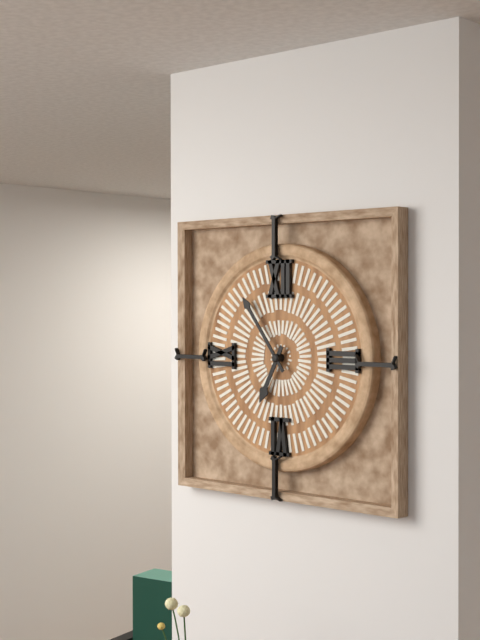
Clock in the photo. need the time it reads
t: 6:54
